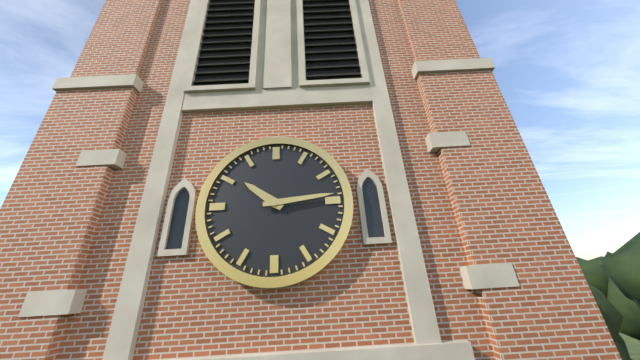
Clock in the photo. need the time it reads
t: 10:14
